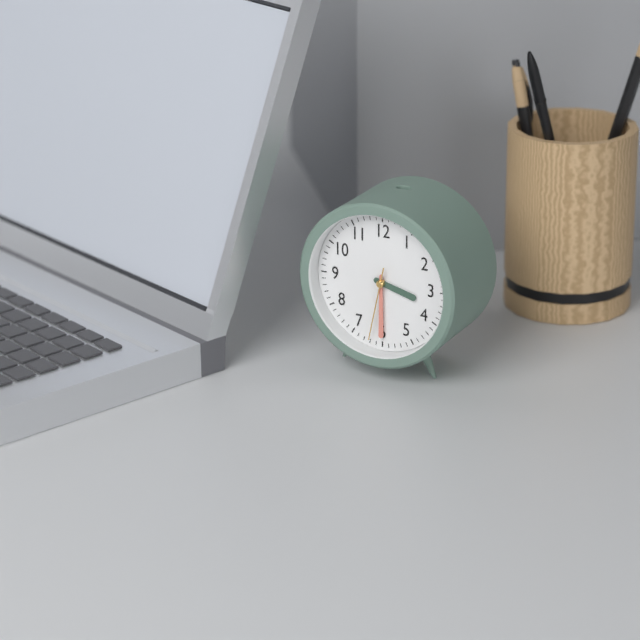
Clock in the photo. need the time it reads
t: 3:30:32
